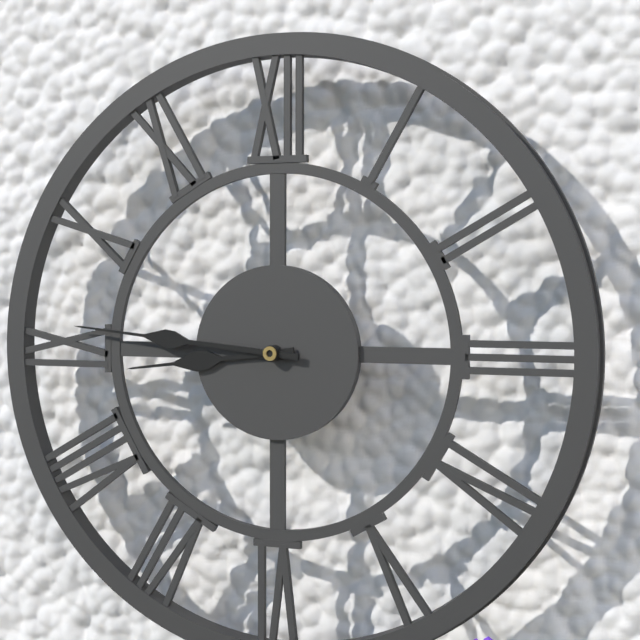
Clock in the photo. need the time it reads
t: 8:46
